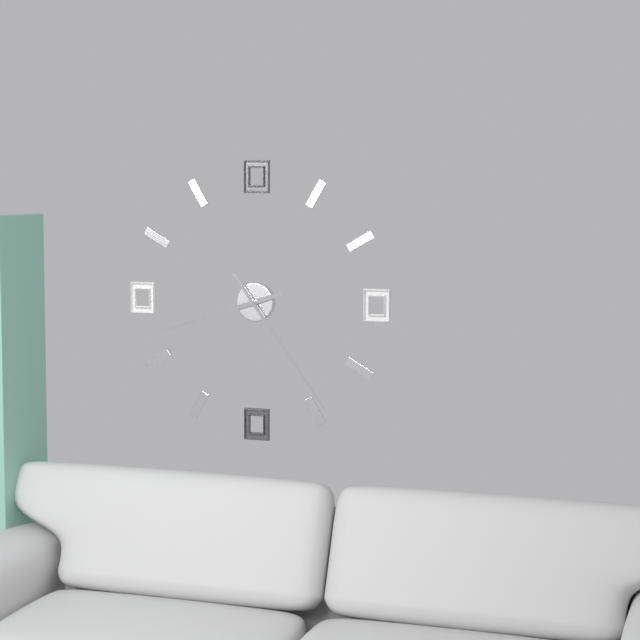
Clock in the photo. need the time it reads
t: 8:24
